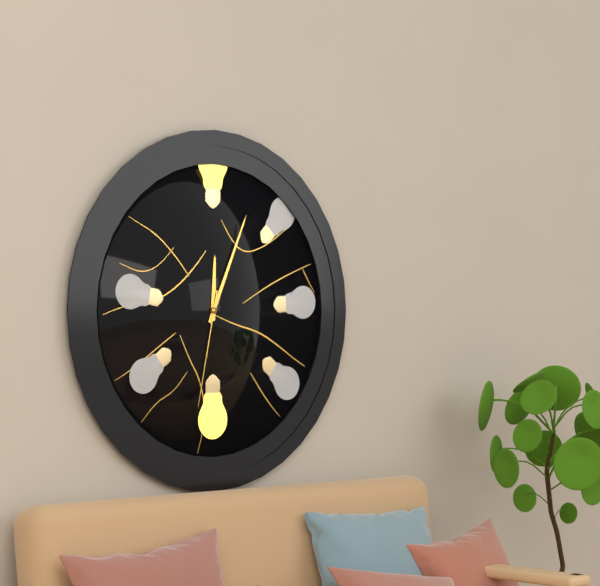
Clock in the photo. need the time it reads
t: 12:04:32
